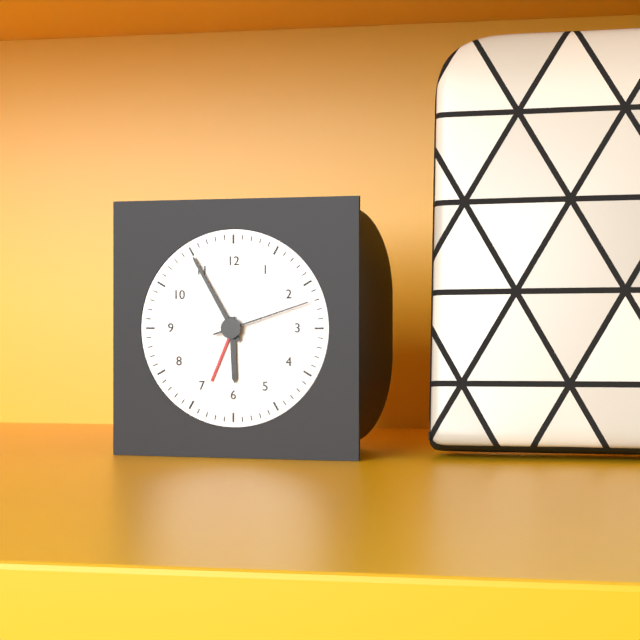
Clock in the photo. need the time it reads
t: 5:55:12
